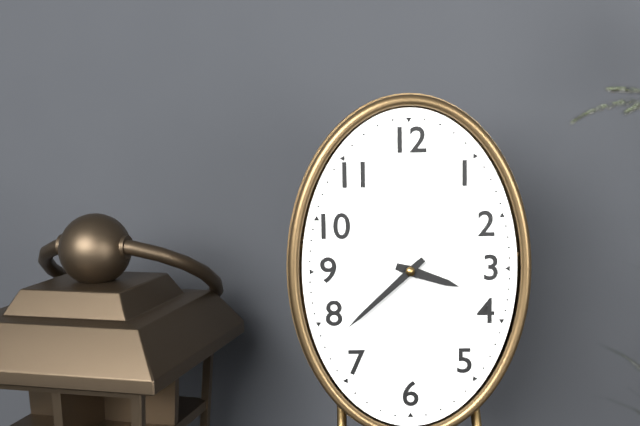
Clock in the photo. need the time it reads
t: 3:38
